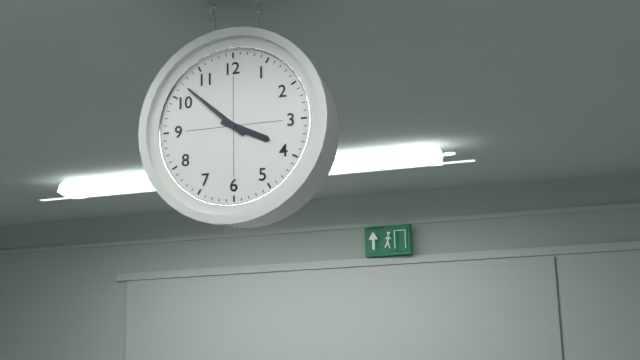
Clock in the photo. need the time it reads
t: 3:52
